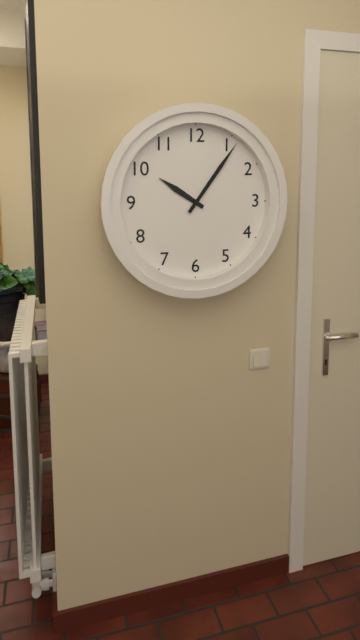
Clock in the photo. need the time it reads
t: 10:06
